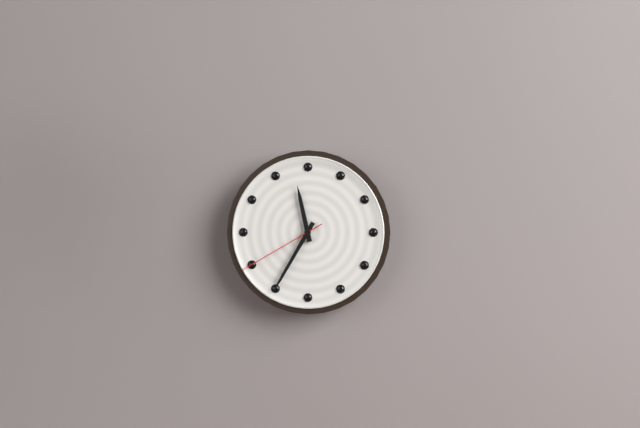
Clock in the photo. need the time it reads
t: 11:35:40
